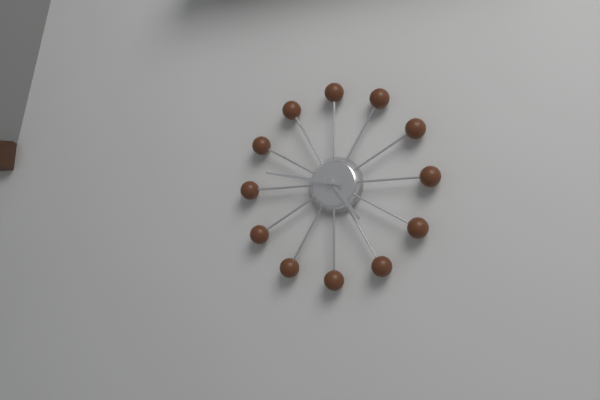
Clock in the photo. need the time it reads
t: 4:47
